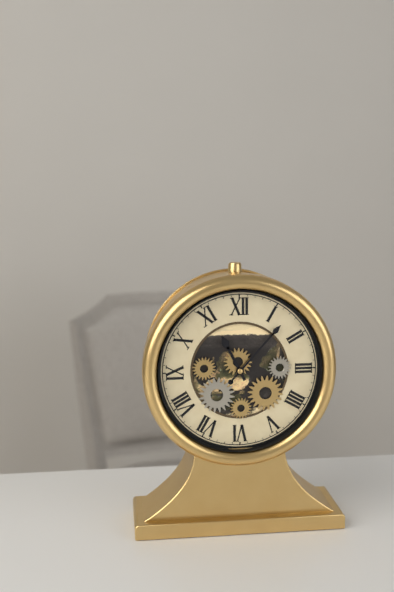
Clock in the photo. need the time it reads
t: 11:07
